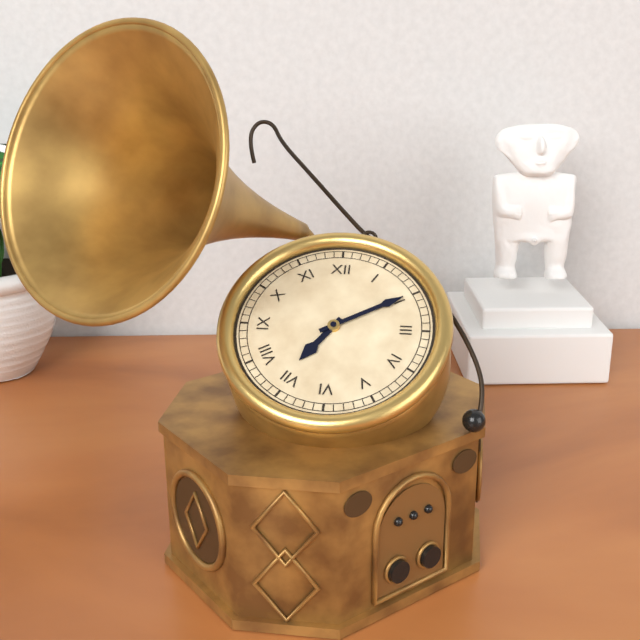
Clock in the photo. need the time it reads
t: 7:10
